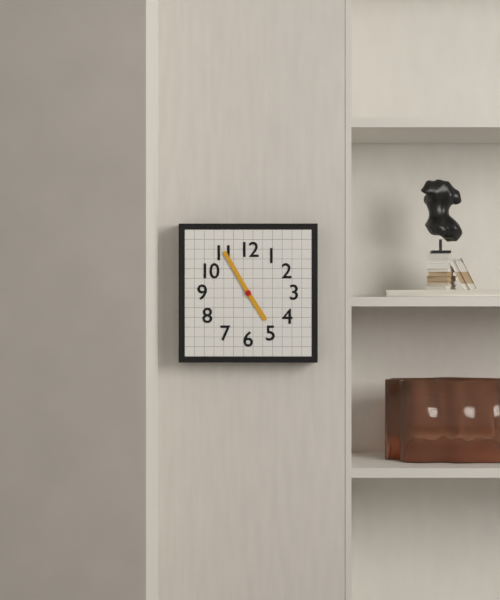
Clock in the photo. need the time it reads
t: 4:55
